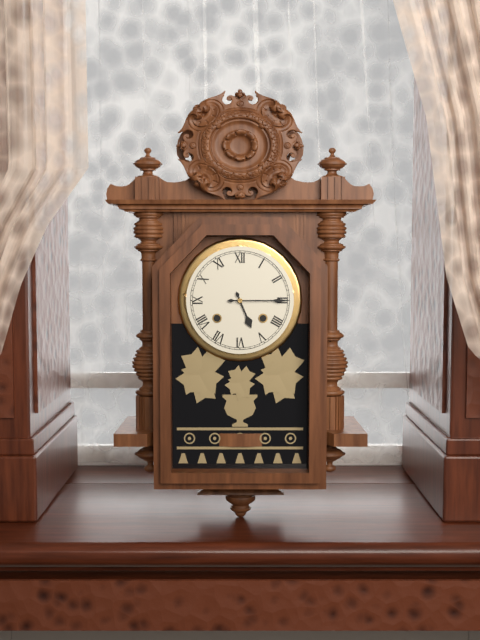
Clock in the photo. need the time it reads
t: 5:15
